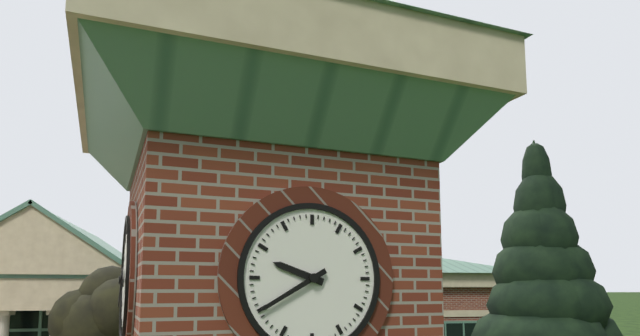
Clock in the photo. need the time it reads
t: 9:40
